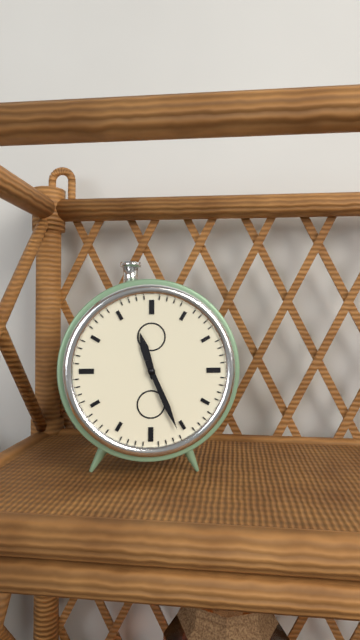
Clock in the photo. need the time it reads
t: 11:26
